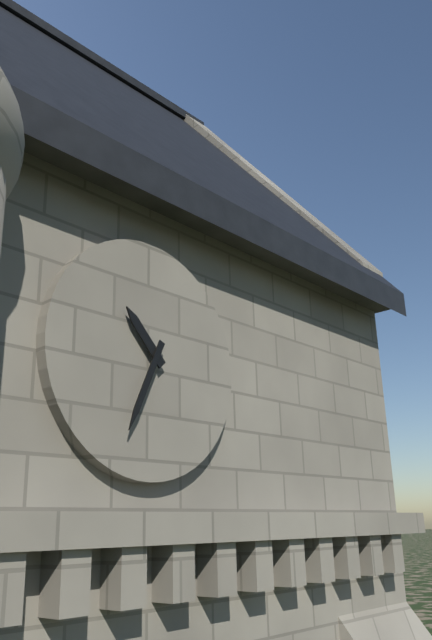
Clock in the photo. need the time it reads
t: 10:34
